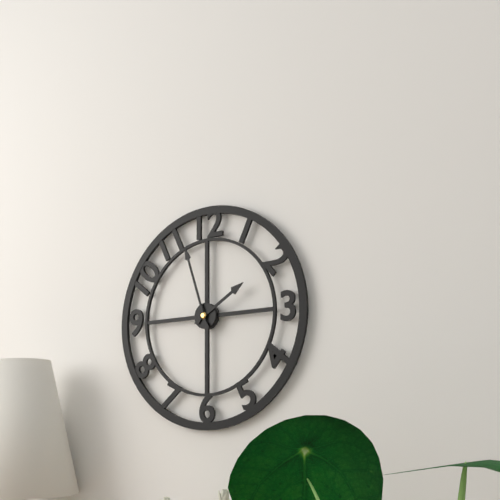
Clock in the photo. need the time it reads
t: 1:57
